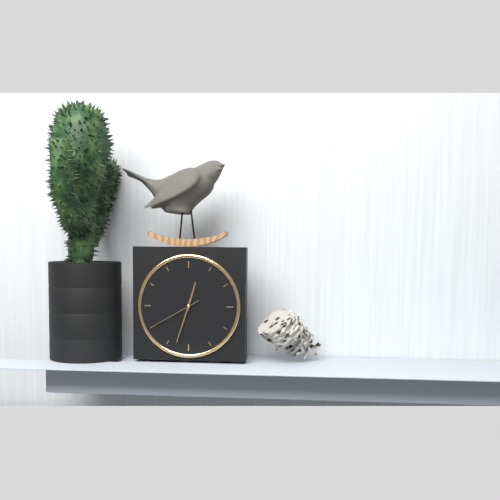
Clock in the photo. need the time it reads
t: 12:33:40
